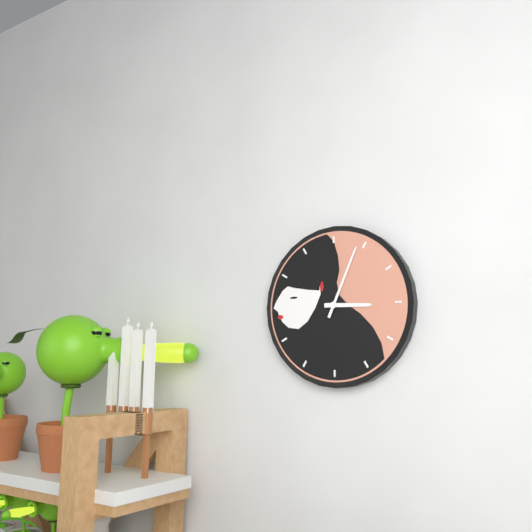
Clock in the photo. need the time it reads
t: 3:04
